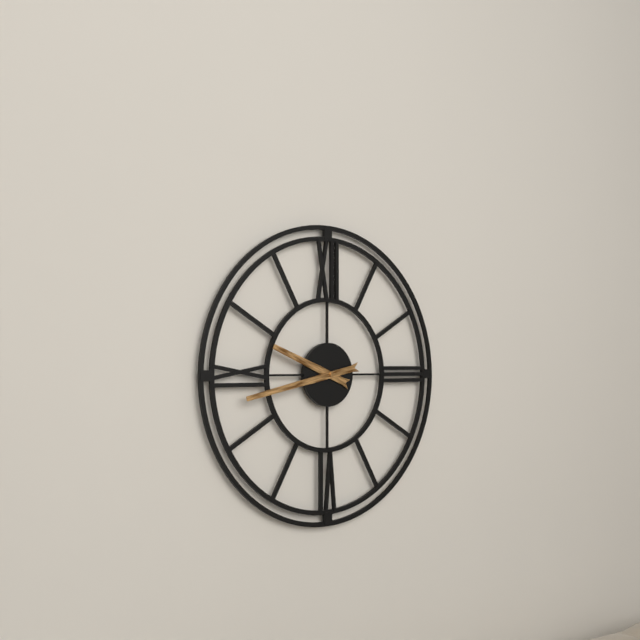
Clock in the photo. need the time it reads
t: 9:43
